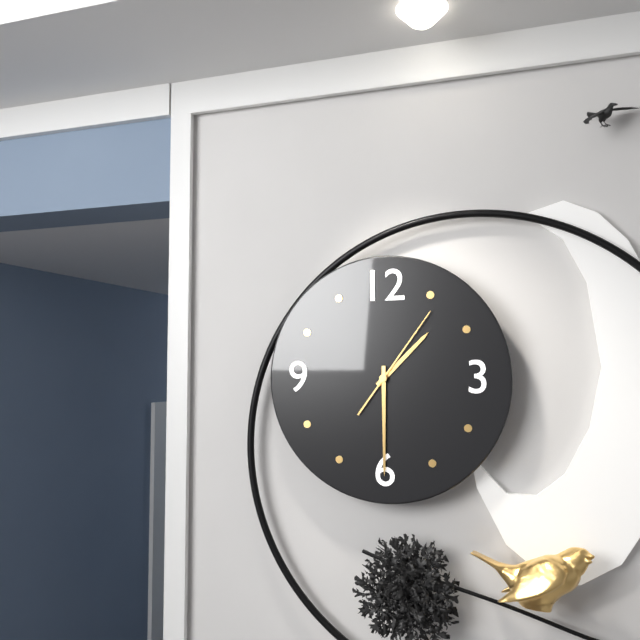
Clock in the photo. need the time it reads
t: 1:30:06
